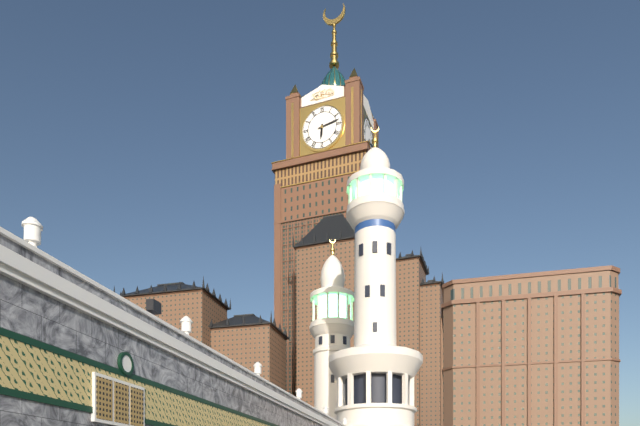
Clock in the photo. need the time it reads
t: 6:13
